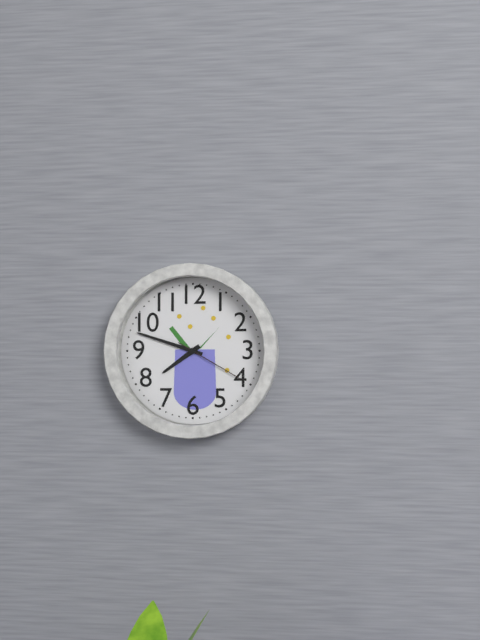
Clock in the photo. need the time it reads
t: 7:48:20
